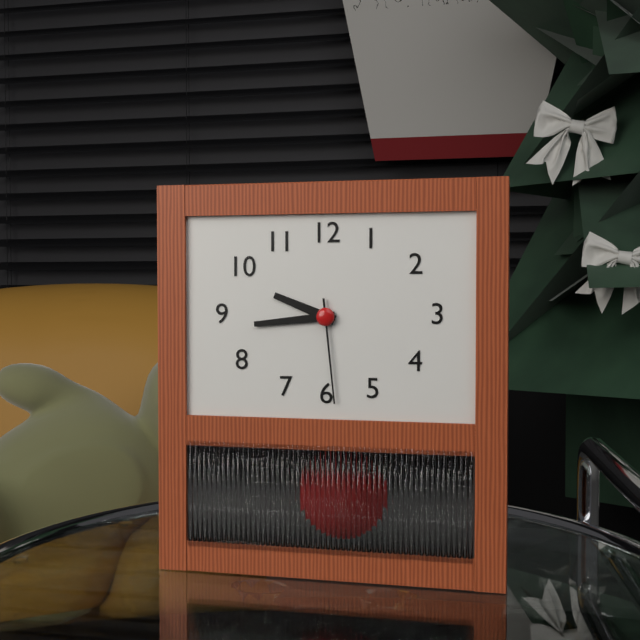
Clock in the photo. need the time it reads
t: 9:44:29
